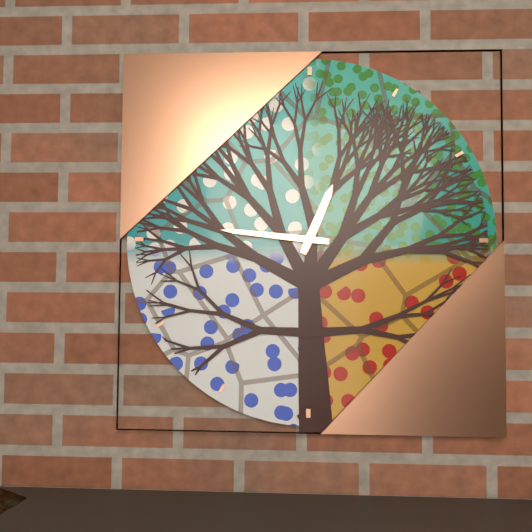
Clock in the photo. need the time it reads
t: 12:46
